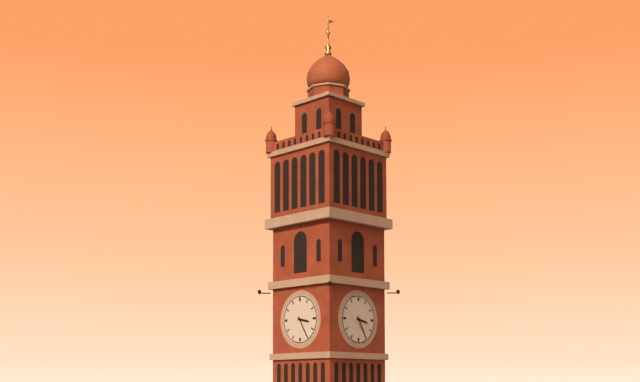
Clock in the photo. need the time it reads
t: 3:25
